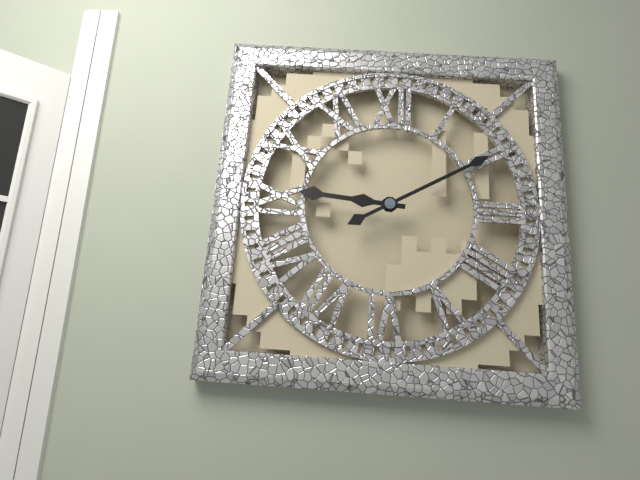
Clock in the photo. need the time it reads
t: 9:10
